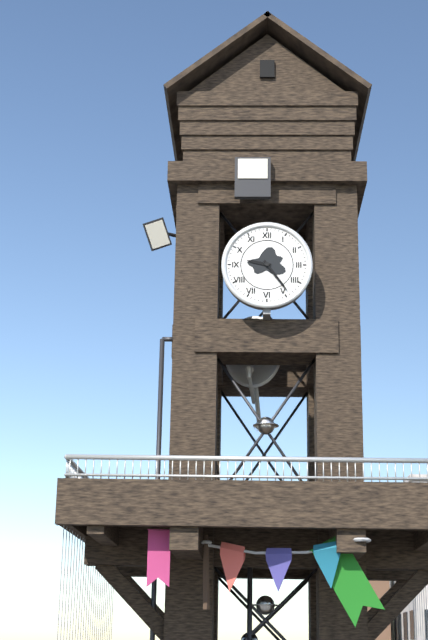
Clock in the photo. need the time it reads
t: 9:24
